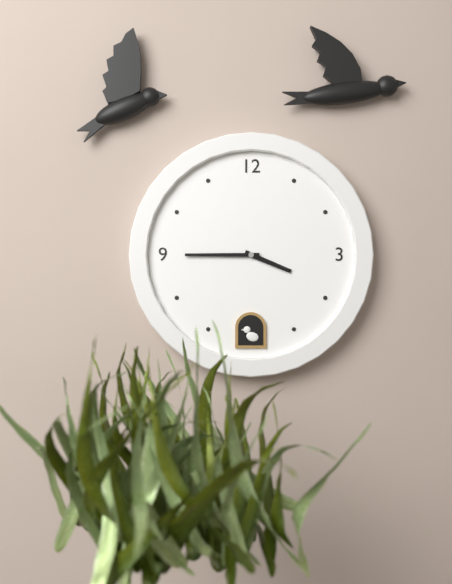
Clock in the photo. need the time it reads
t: 3:45
